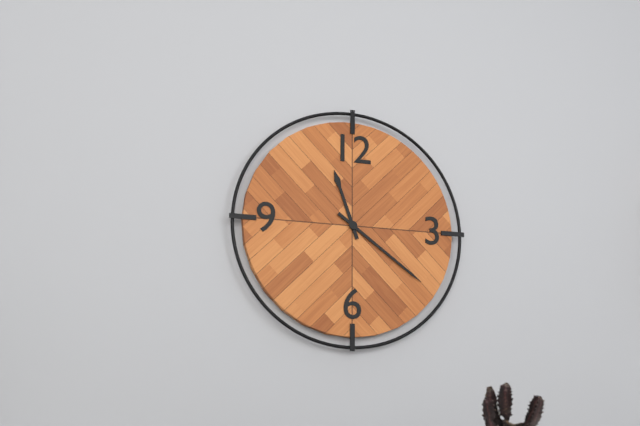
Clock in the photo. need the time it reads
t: 11:21
